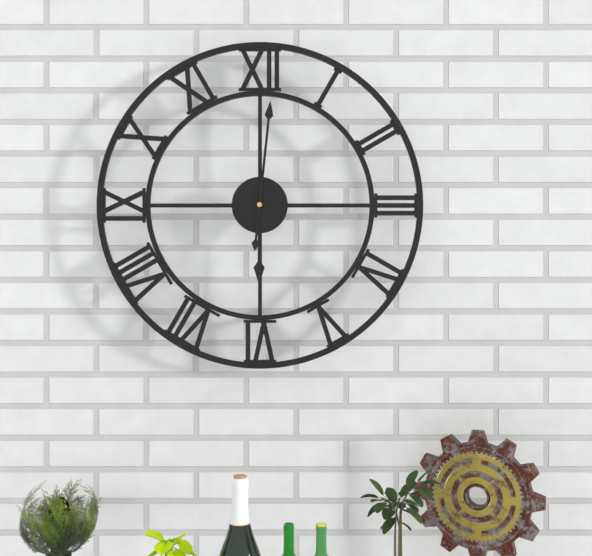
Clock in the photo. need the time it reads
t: 6:01
